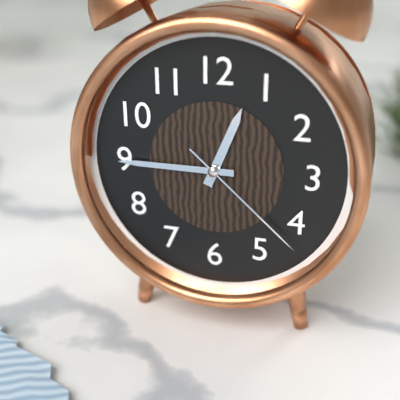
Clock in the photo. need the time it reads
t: 12:45:22
